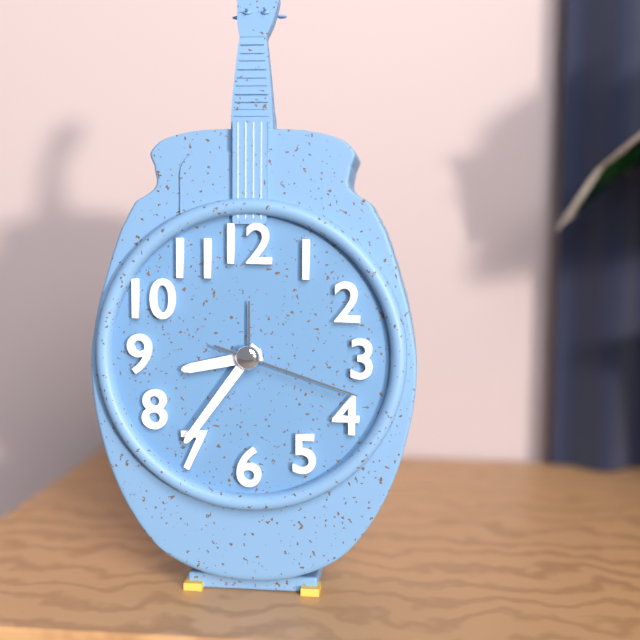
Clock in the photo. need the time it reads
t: 8:36:18
